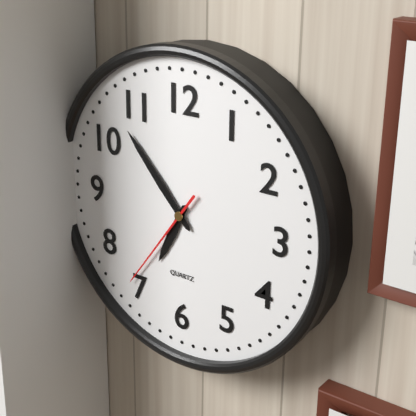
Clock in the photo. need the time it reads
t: 6:53:36
